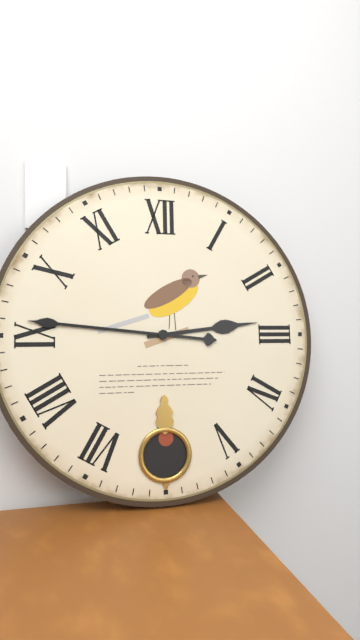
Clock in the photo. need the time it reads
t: 2:46
